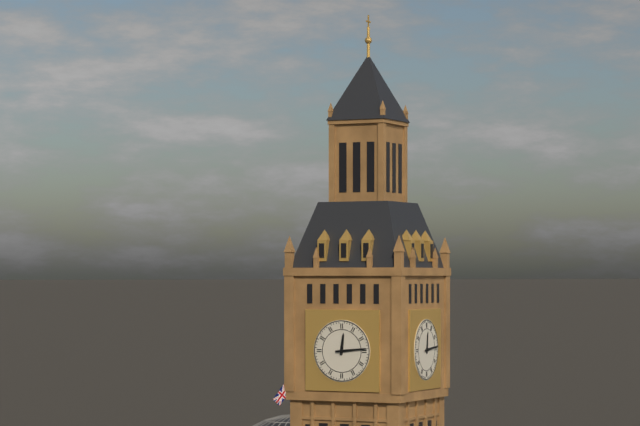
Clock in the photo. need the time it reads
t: 12:14
